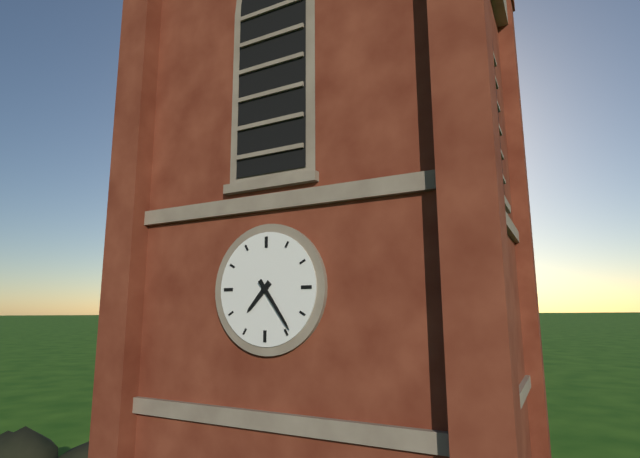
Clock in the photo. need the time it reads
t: 7:24
